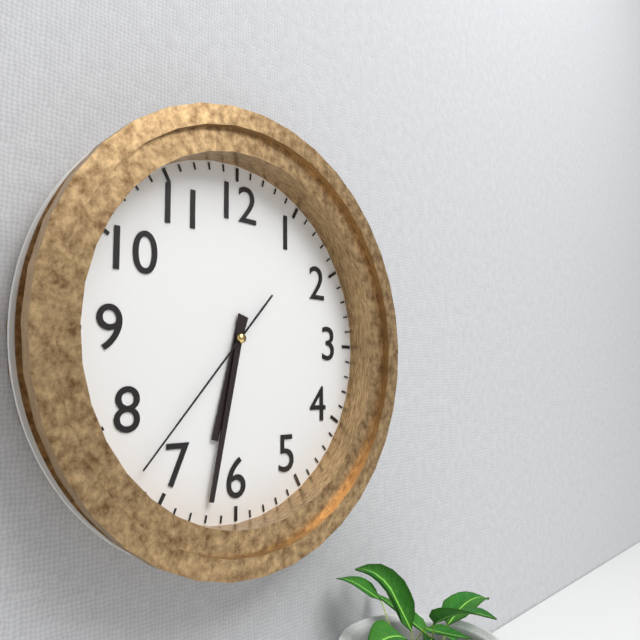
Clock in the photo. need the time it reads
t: 6:32:37
